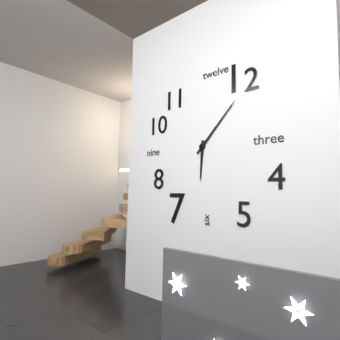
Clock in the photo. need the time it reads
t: 6:07
